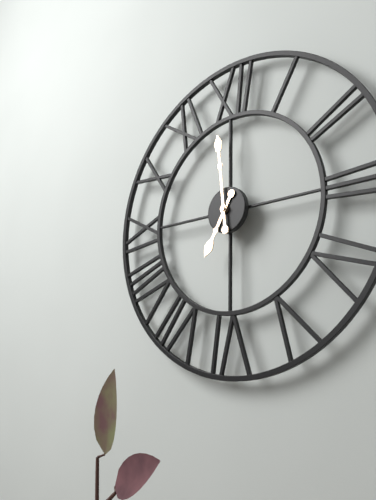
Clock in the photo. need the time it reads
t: 6:59
